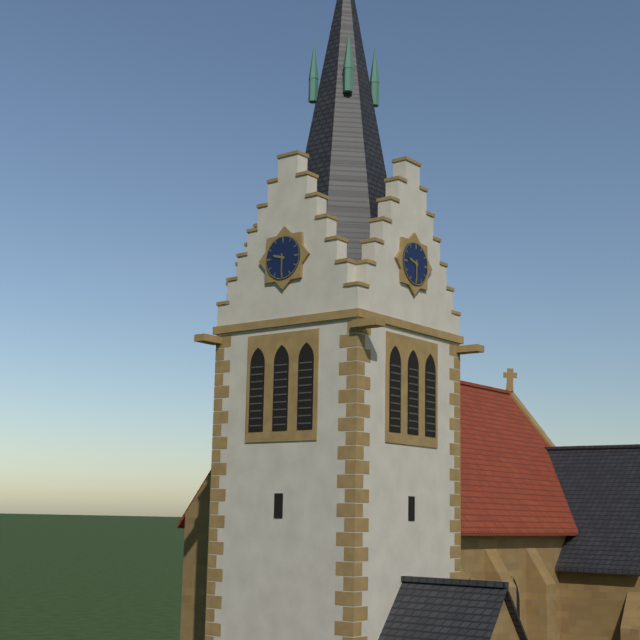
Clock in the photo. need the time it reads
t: 9:30
